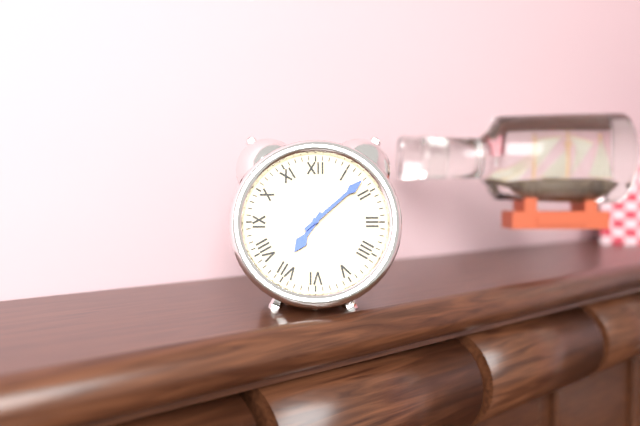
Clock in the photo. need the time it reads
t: 7:08
